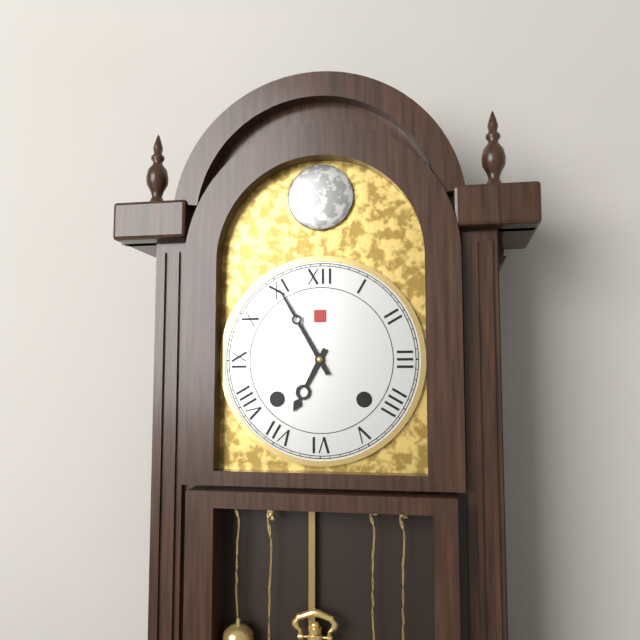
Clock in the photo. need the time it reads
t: 6:55
